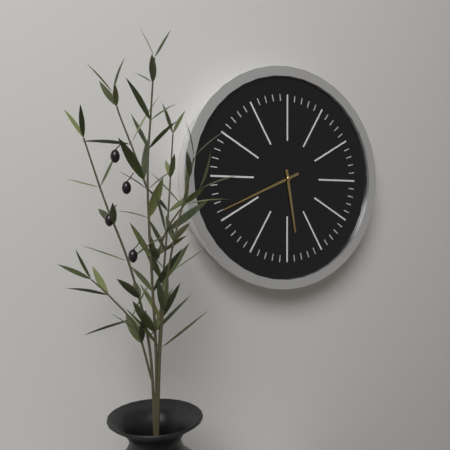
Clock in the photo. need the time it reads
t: 5:41
